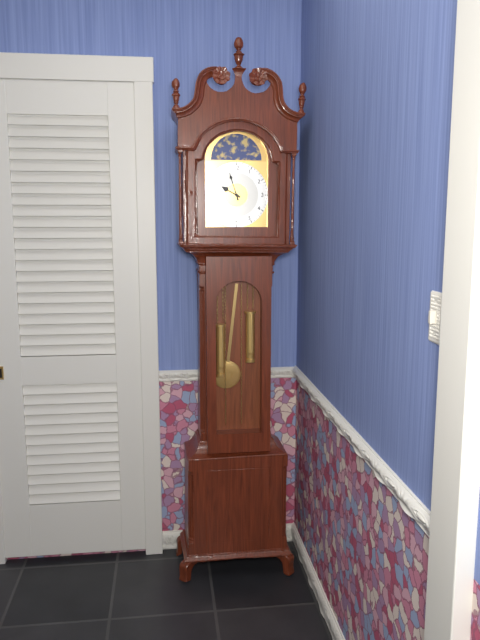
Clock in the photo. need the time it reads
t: 9:57
